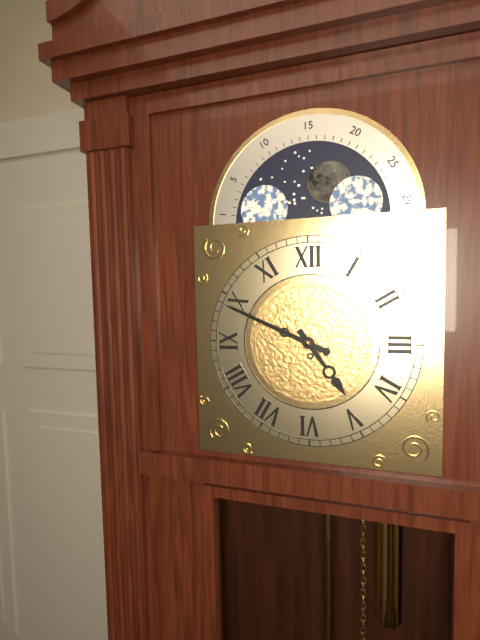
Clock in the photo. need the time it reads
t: 4:49
